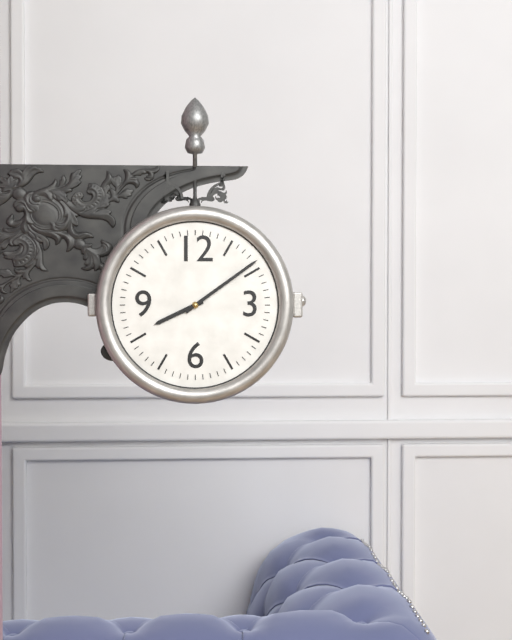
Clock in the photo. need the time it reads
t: 8:09
